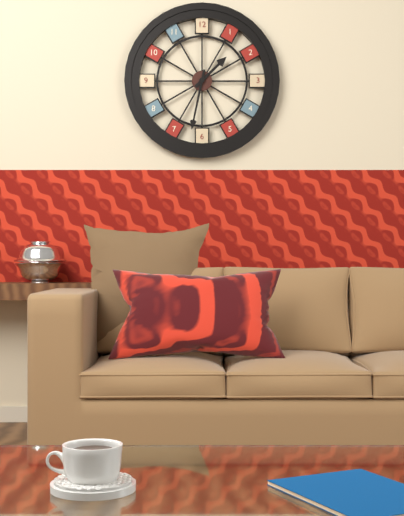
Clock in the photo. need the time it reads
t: 1:32
